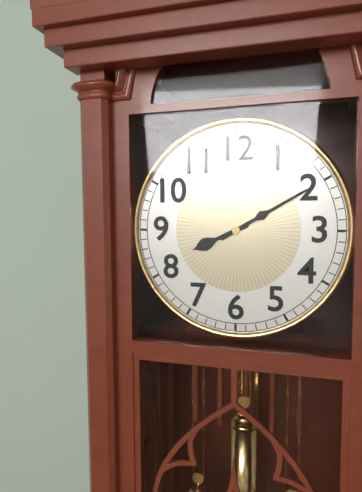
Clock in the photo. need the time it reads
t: 8:10
